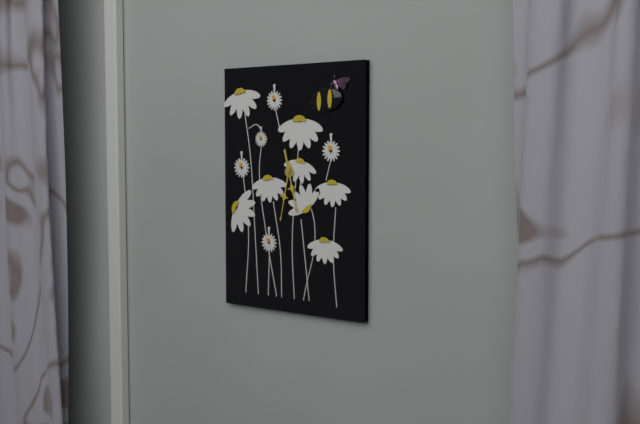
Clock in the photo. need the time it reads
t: 5:32
